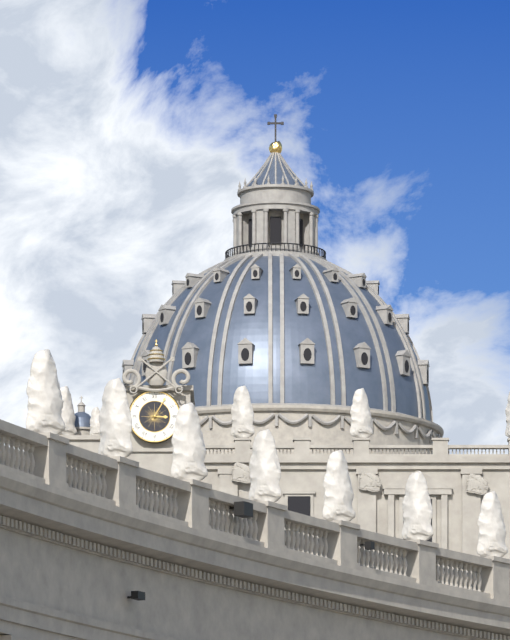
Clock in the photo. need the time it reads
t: 3:05
